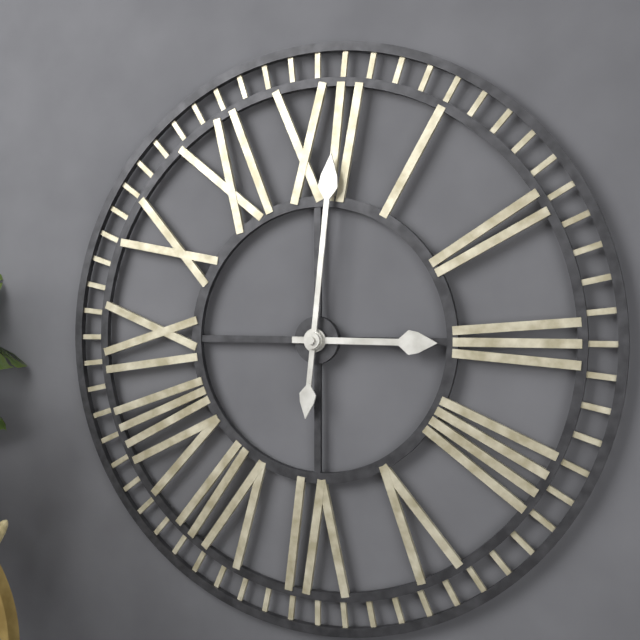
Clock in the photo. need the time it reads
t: 3:01
